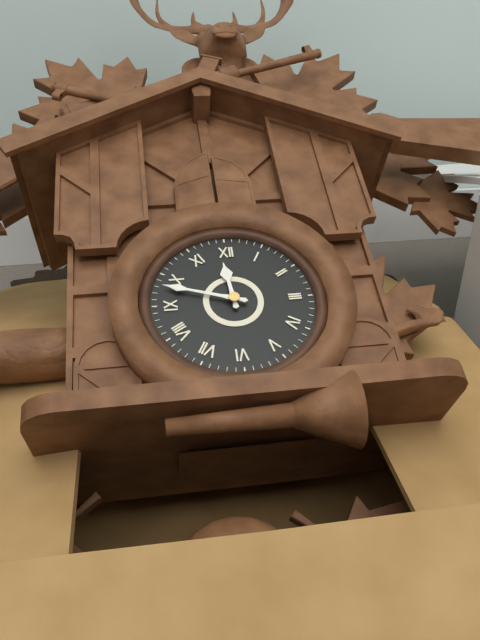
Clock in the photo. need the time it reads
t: 11:48
